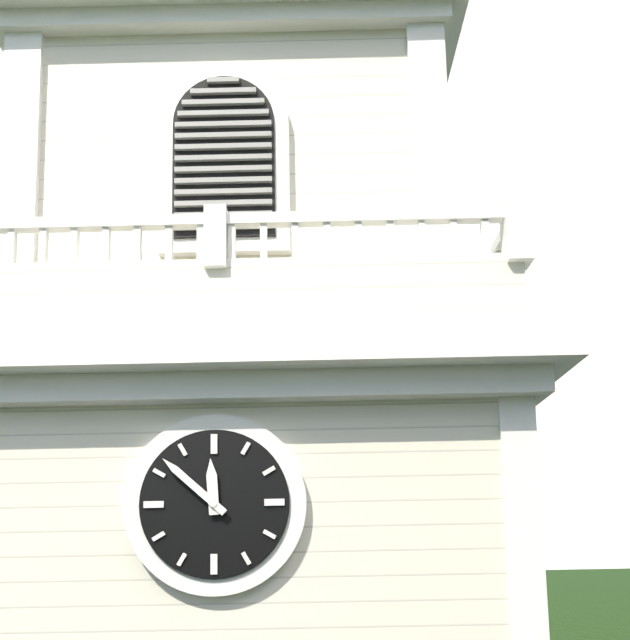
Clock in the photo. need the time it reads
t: 11:52
